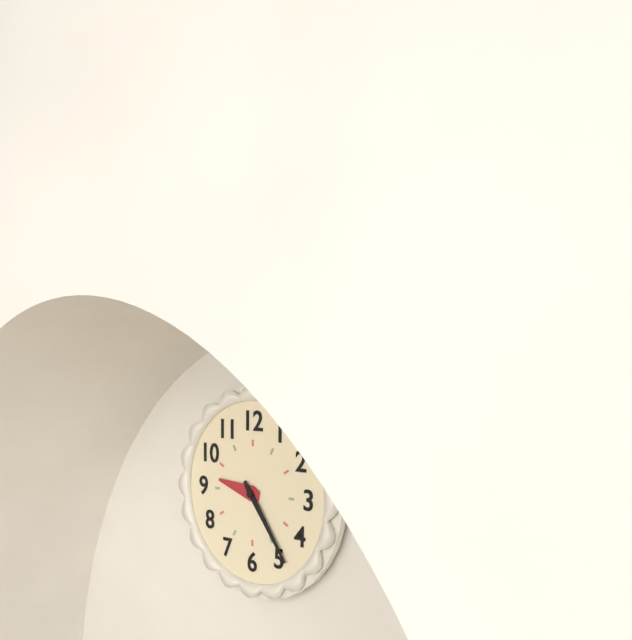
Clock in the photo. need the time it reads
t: 9:24
